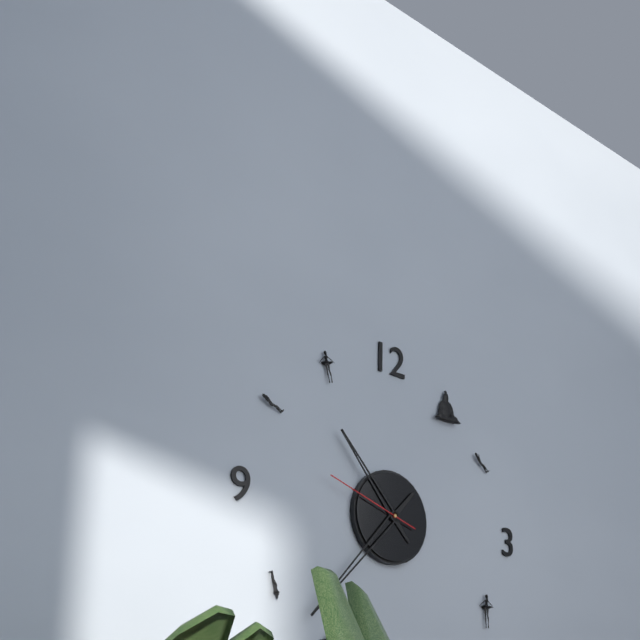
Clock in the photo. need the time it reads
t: 10:37:48
